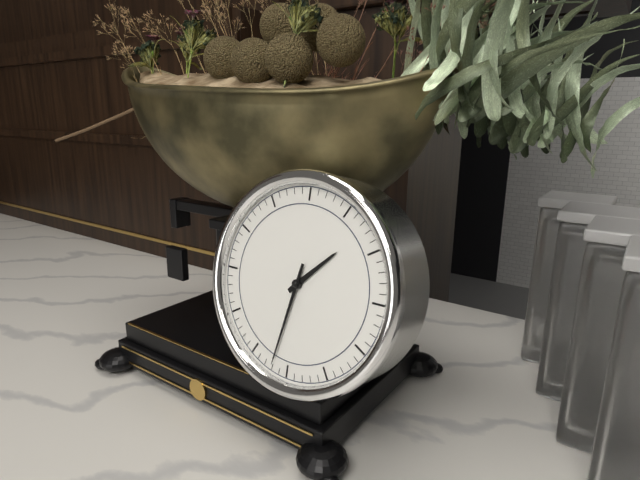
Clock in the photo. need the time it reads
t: 1:32
